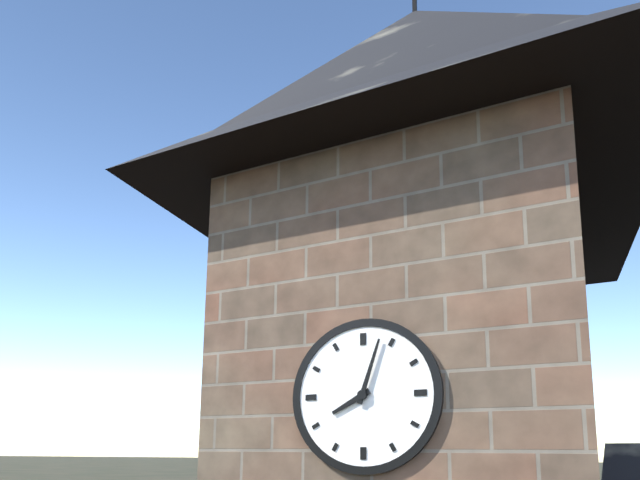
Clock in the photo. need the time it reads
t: 8:03
